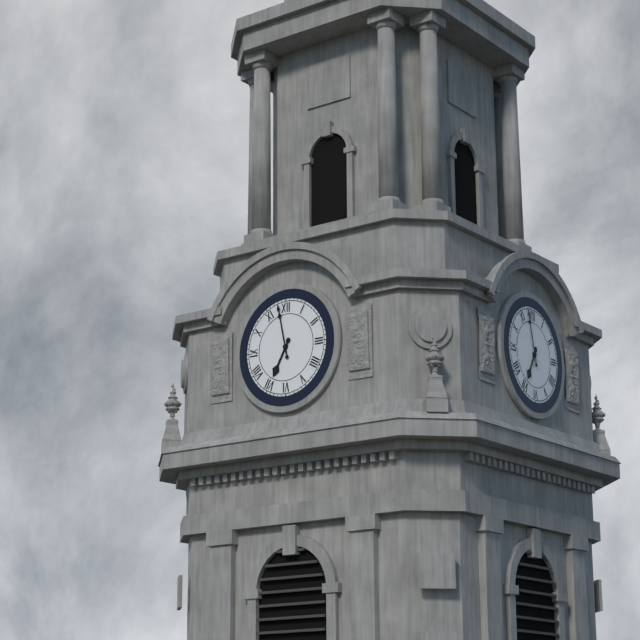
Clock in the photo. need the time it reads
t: 6:58
